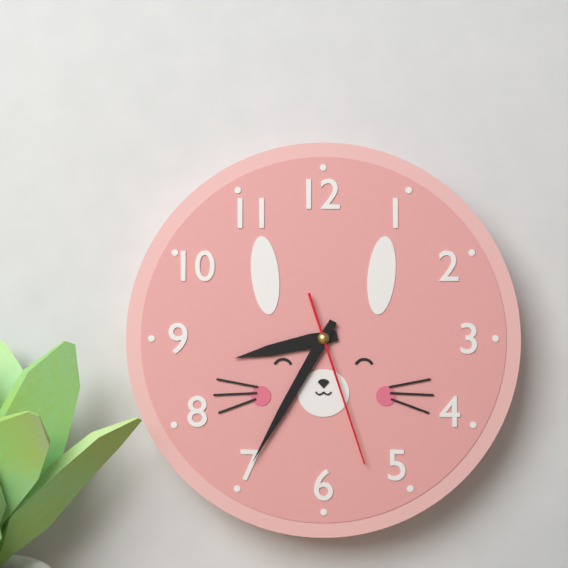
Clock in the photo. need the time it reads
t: 8:35:27
